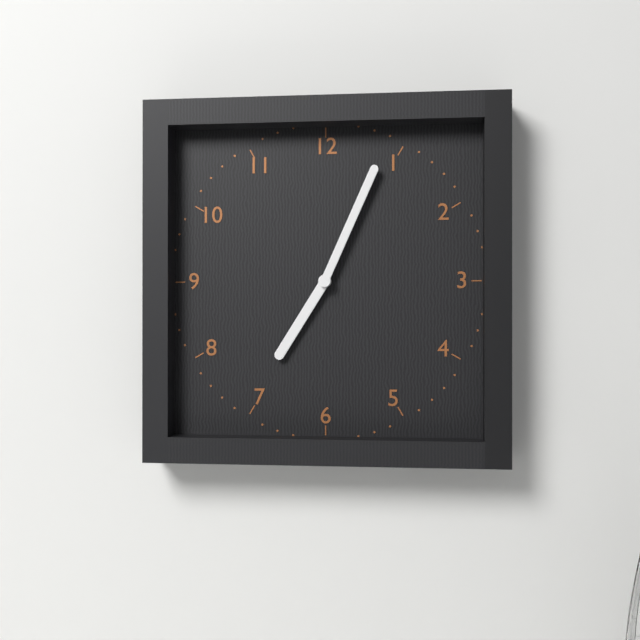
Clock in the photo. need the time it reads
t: 7:04
